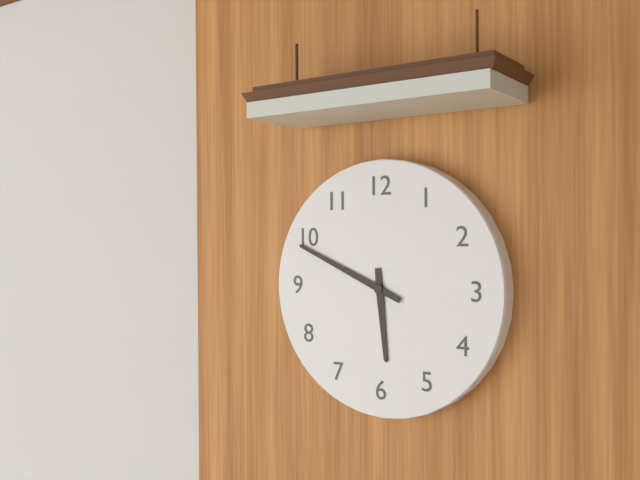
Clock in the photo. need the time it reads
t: 5:49
